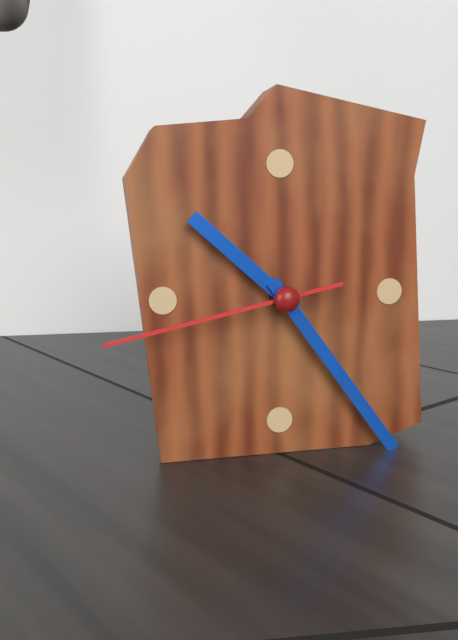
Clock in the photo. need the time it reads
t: 10:24:43
